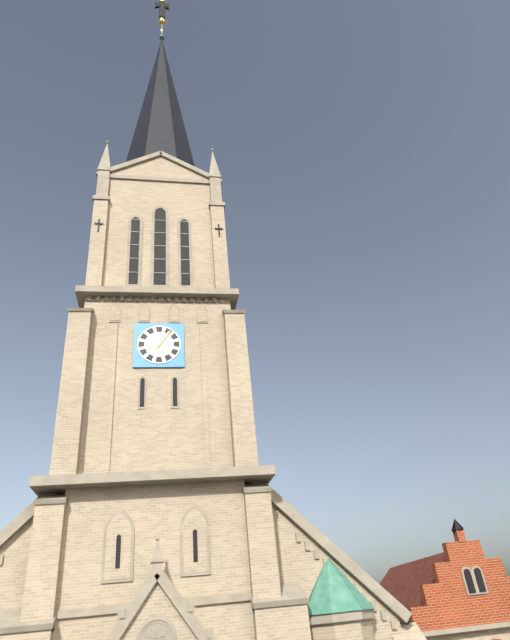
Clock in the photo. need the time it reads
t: 7:06
